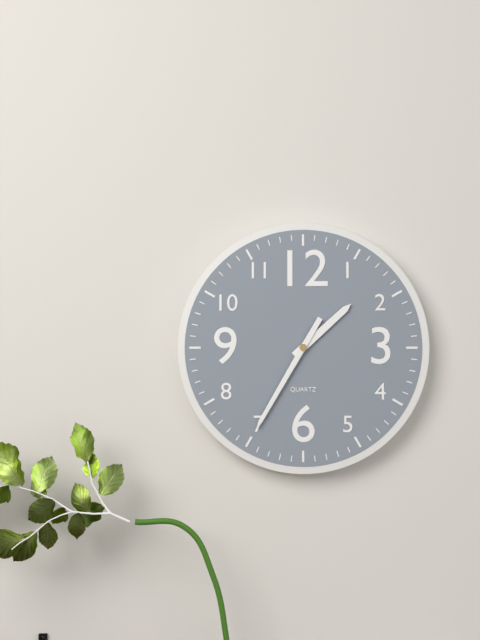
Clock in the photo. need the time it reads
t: 1:35
